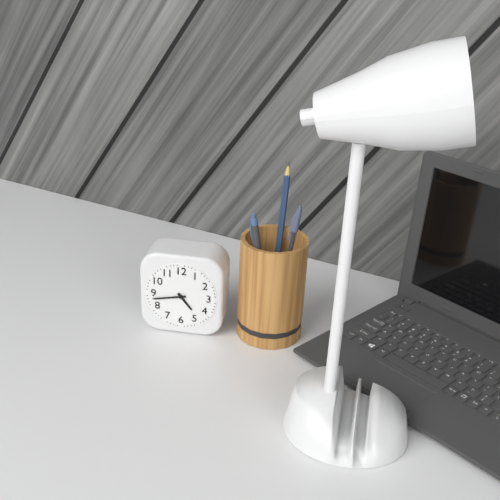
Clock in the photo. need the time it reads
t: 4:43
